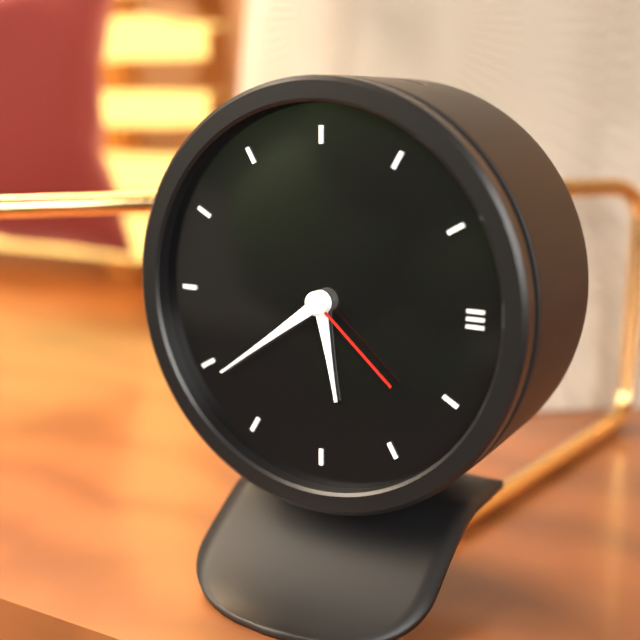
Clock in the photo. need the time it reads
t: 5:39:22
